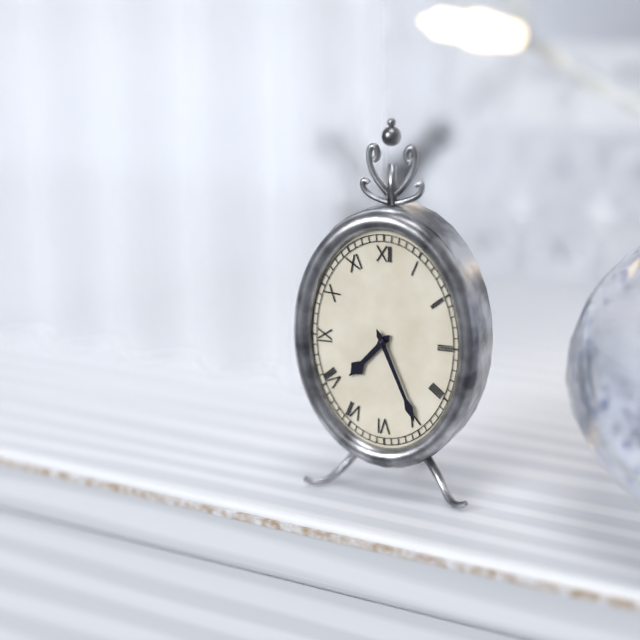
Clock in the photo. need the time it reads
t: 7:26
